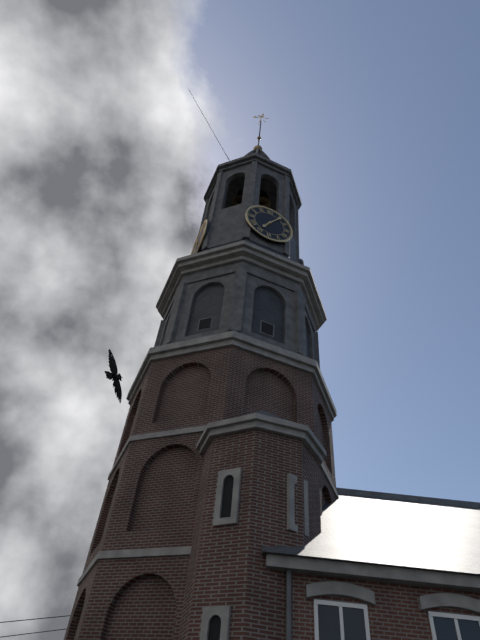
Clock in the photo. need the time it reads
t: 7:06
